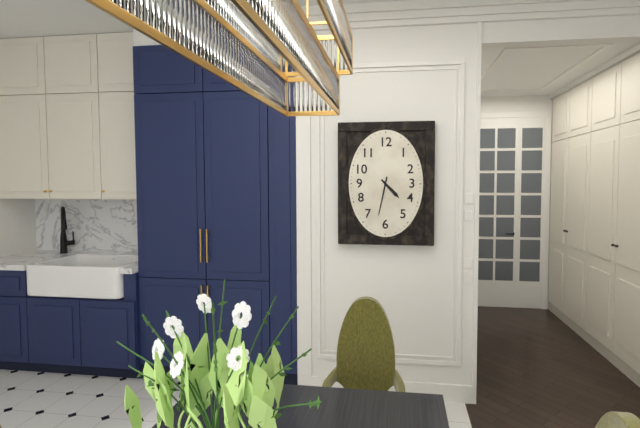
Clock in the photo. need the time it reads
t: 4:32
